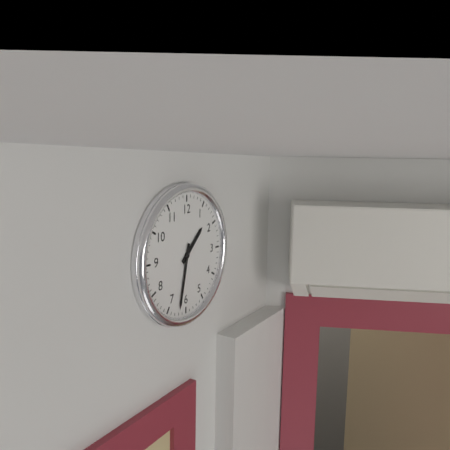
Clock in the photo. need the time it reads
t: 1:32
